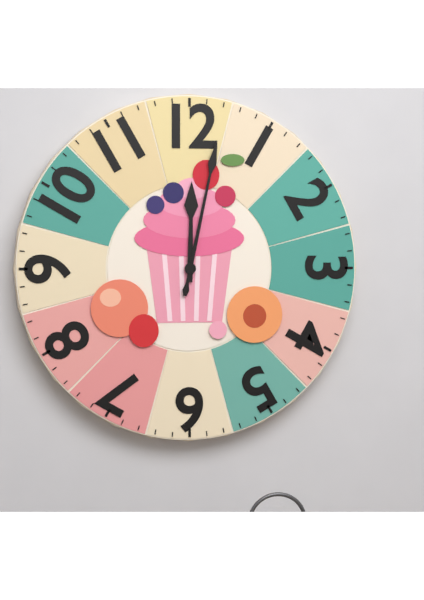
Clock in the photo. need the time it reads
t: 12:02
